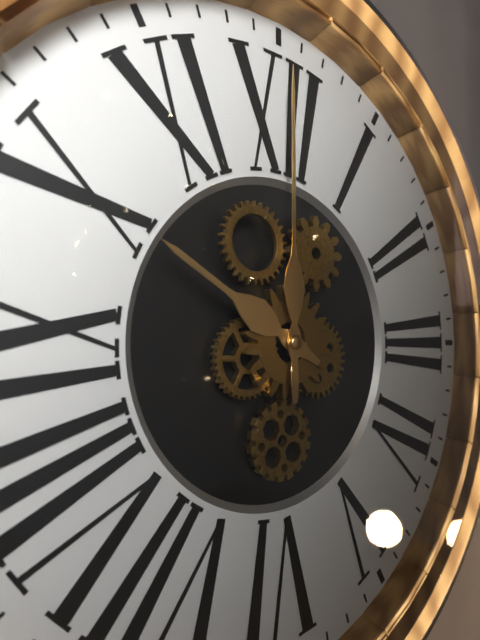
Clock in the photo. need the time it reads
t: 10:00
